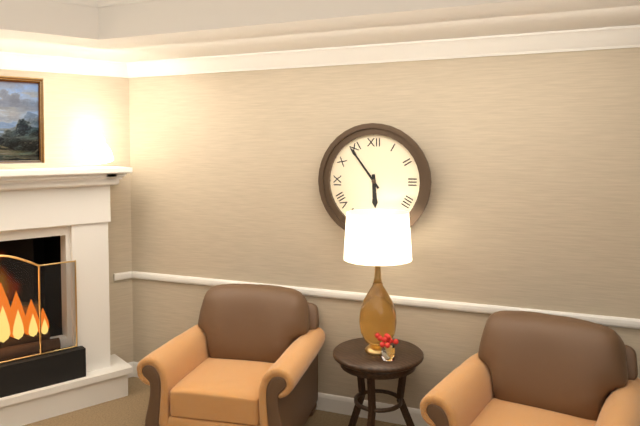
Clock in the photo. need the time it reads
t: 5:54
